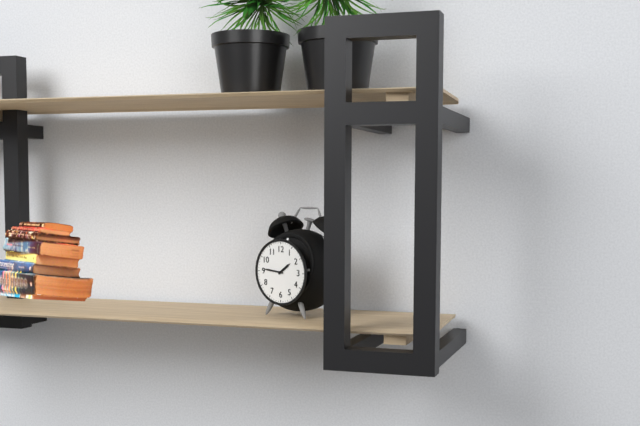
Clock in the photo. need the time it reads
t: 1:46
